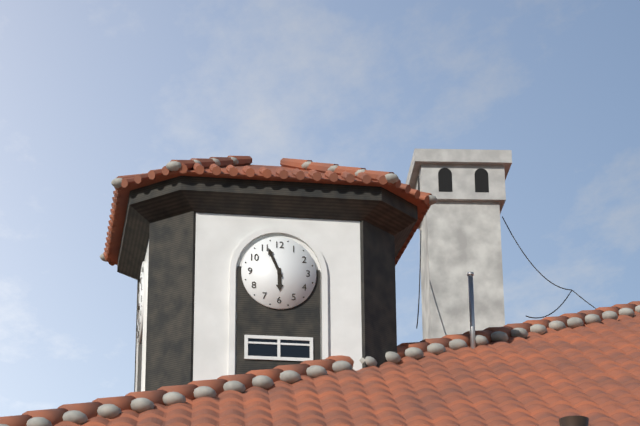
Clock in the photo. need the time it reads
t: 5:56
